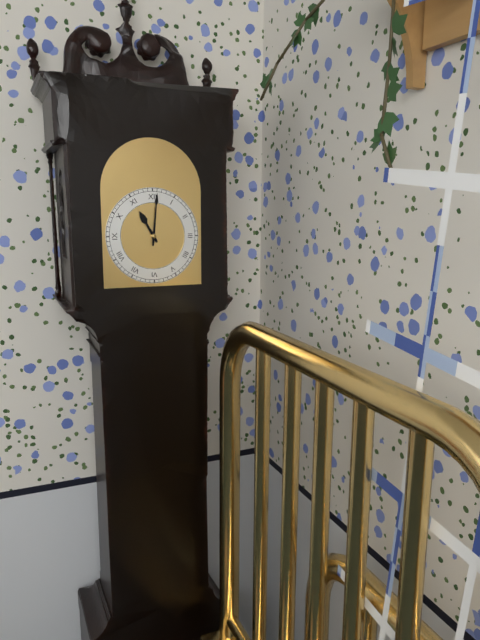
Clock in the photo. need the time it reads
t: 11:01
